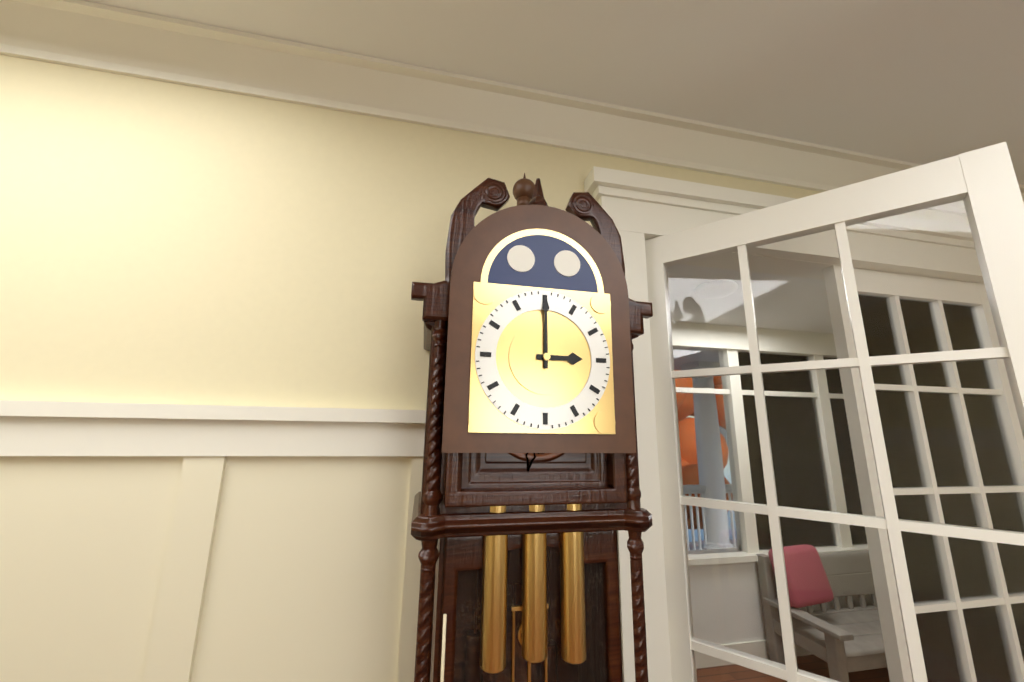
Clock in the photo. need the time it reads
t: 3:00
